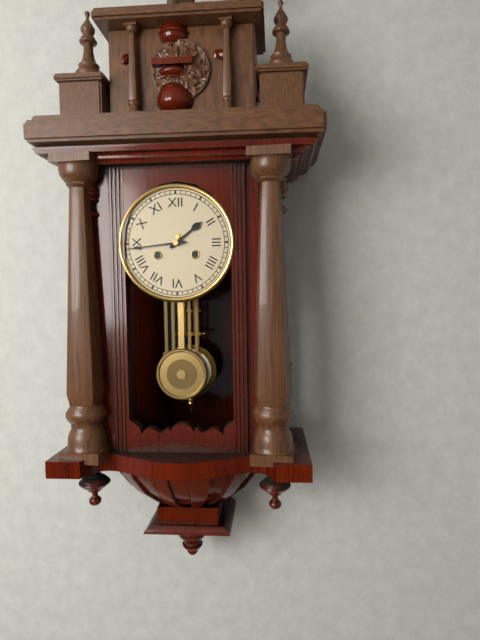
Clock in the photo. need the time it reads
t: 1:44
